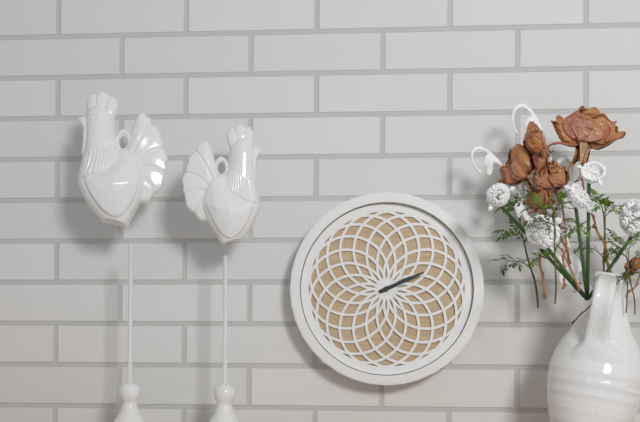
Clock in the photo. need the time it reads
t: 2:11
